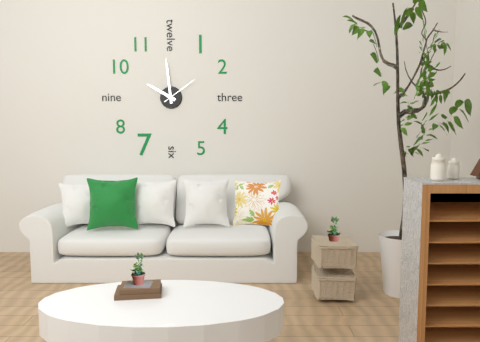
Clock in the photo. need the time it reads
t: 9:59
